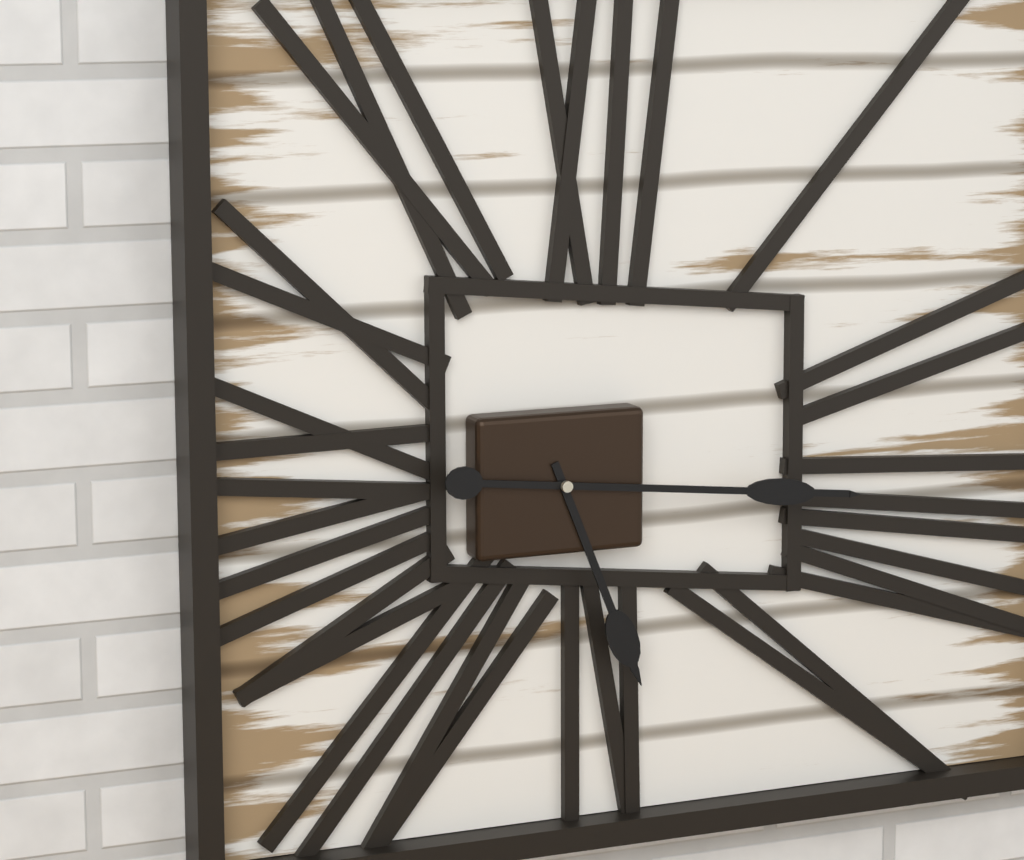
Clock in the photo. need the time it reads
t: 5:16
